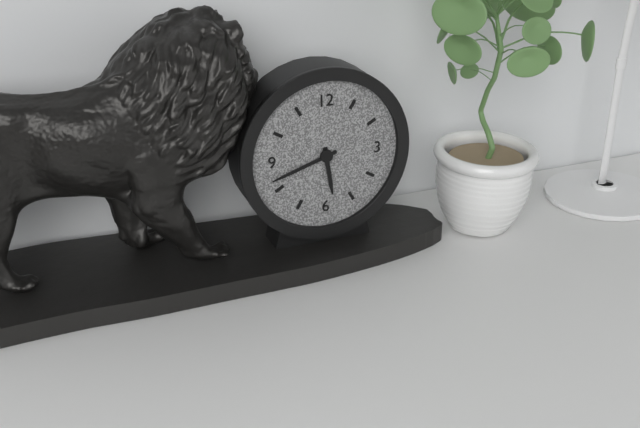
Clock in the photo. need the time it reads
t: 5:42
